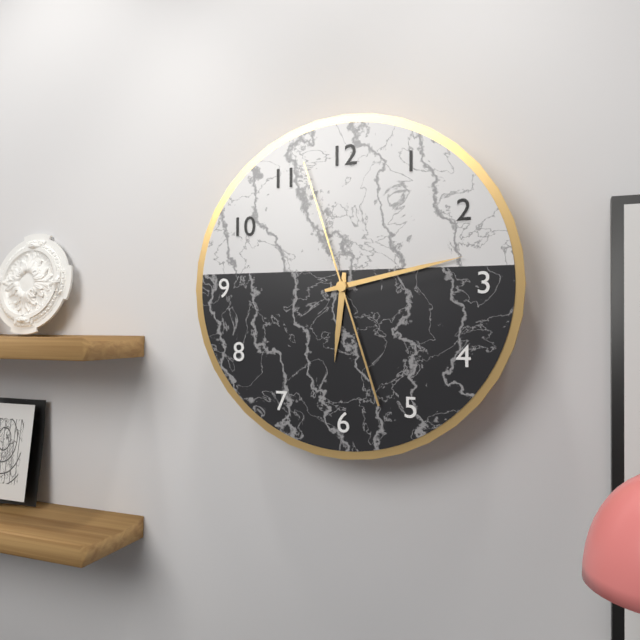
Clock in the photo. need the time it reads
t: 6:13:57
